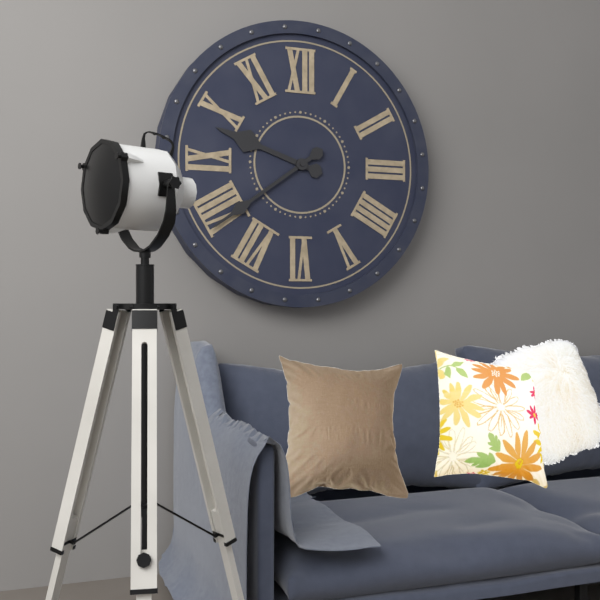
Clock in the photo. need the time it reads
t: 9:39
